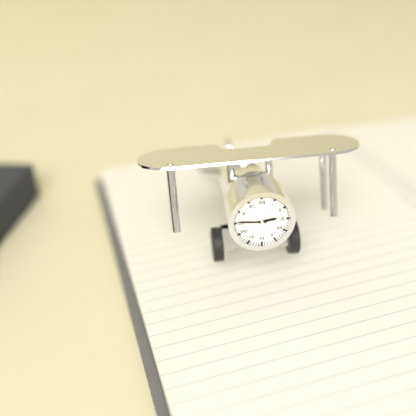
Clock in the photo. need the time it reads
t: 2:46
